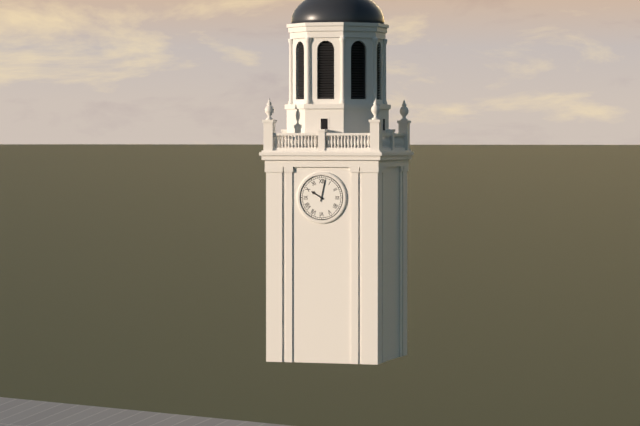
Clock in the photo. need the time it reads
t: 10:02
